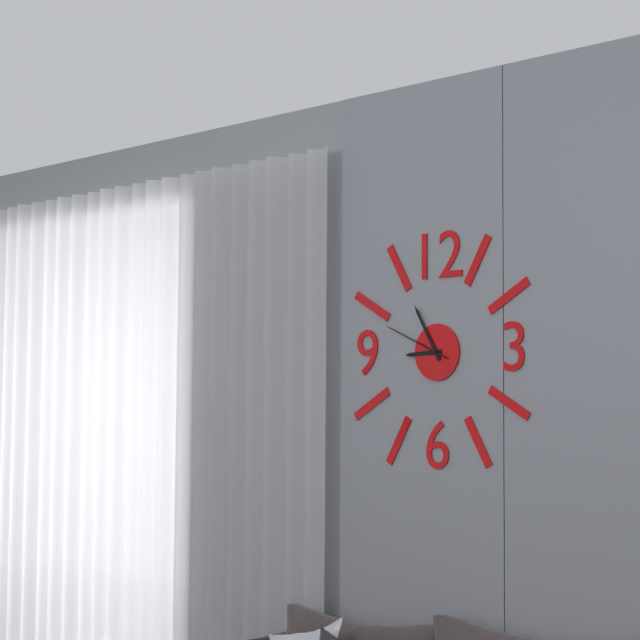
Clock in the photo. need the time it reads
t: 8:55:49
